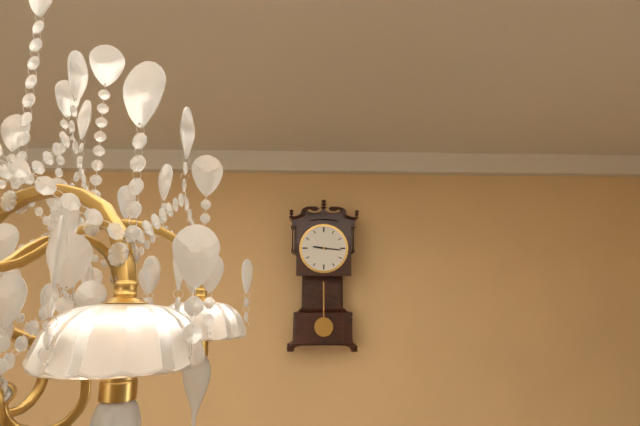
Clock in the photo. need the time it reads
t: 9:16
